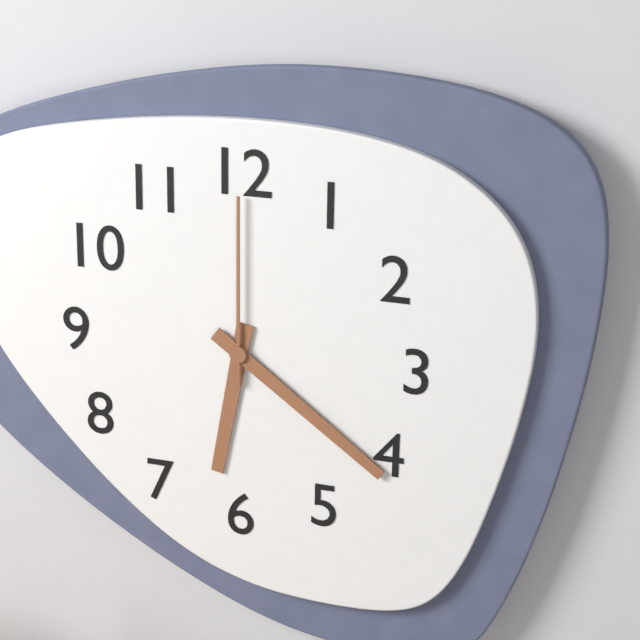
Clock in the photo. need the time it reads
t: 6:21:00
